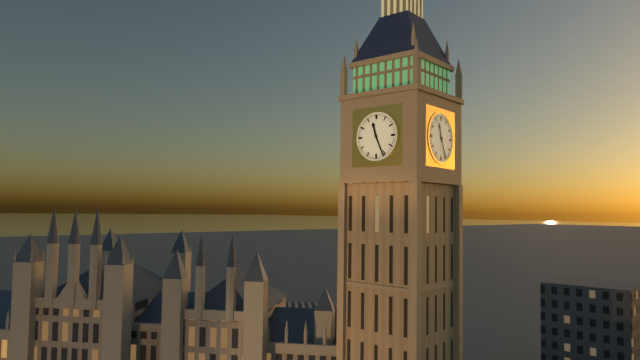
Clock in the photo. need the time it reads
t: 11:26
